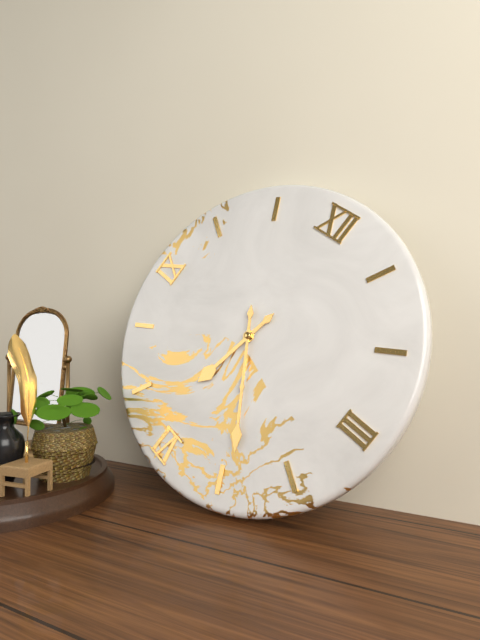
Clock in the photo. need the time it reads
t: 6:24
